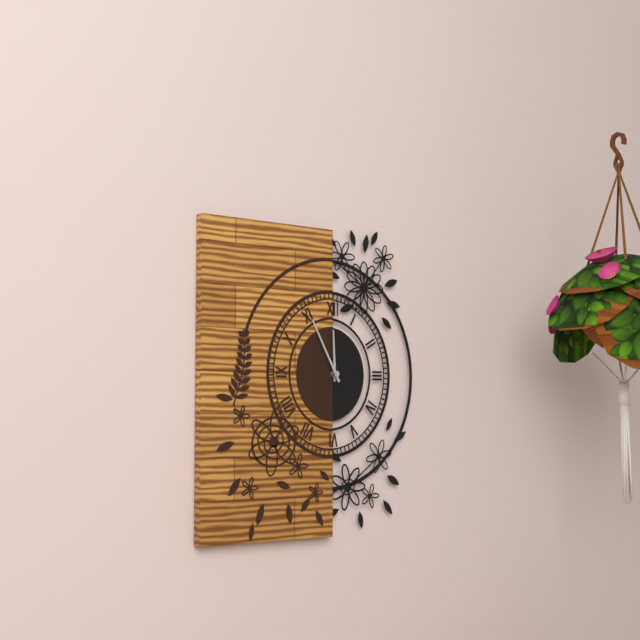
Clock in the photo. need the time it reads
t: 11:55
